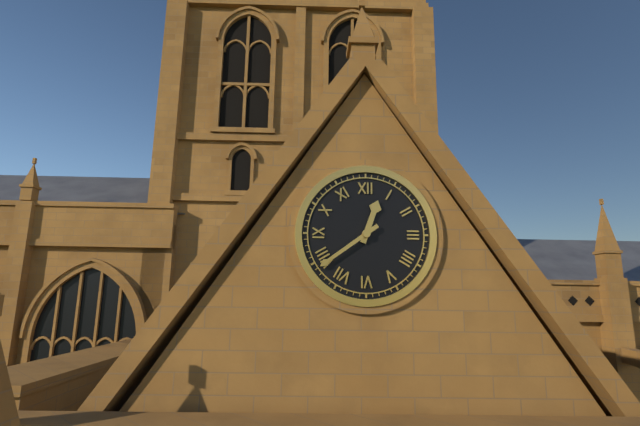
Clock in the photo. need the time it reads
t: 12:39
